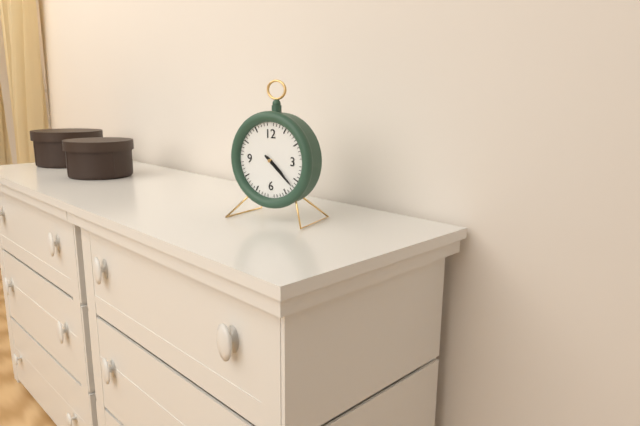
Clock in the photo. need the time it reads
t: 4:22
